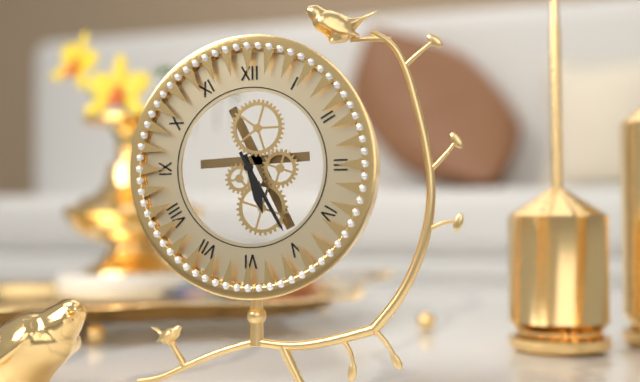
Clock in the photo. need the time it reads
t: 5:25
